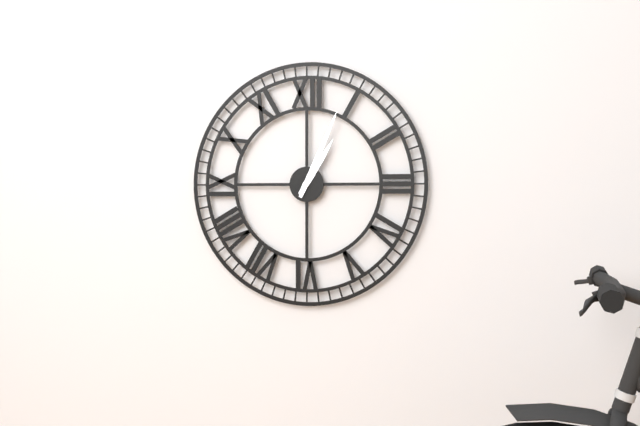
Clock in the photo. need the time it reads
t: 1:04
